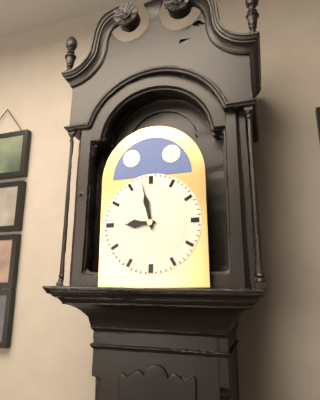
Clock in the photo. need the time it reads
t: 8:58
